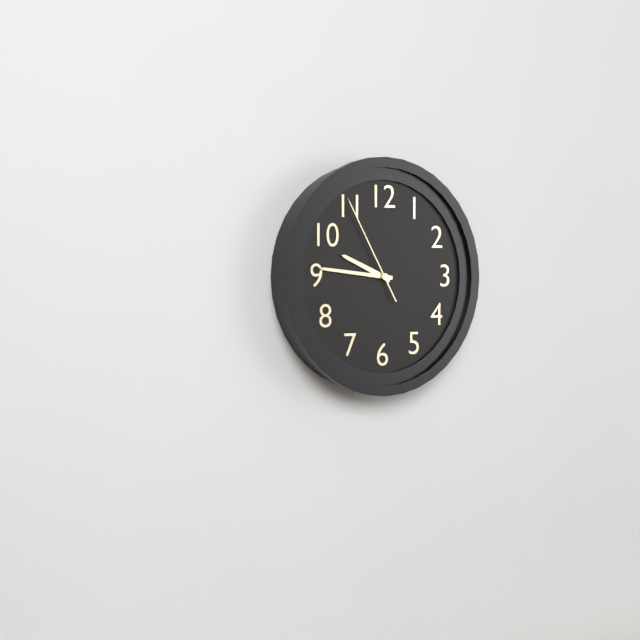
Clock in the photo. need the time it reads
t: 9:46:55
